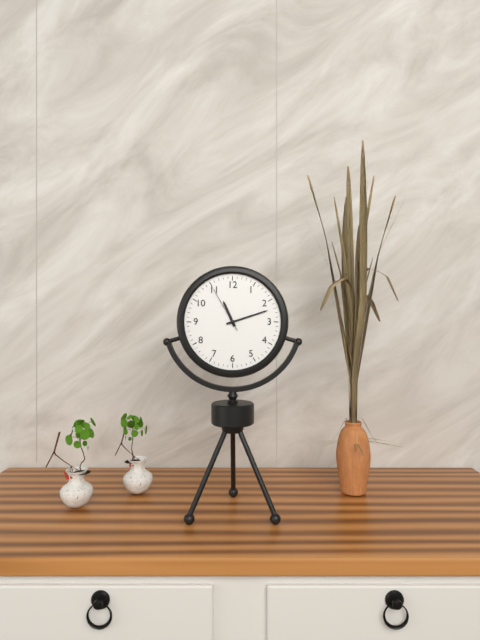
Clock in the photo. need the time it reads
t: 11:12:55
